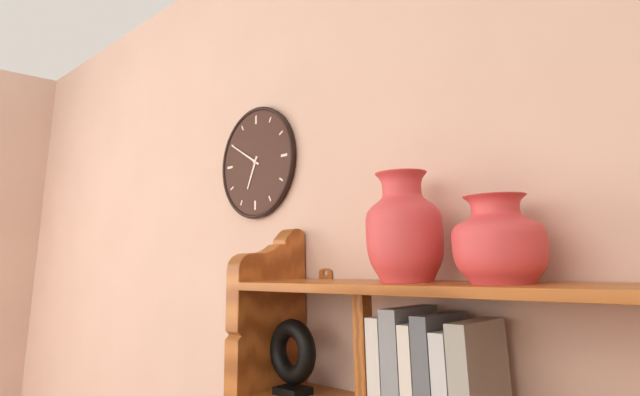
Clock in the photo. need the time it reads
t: 6:50
